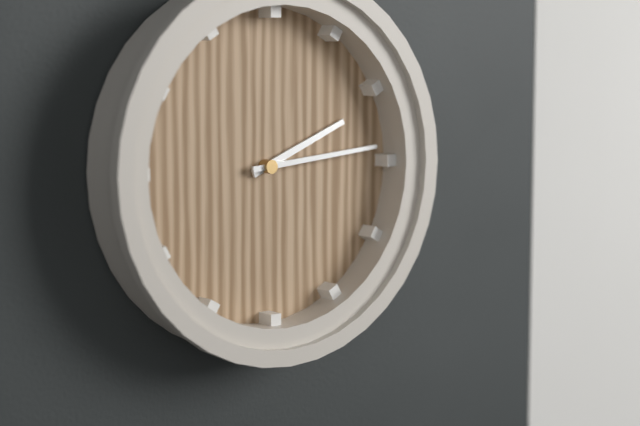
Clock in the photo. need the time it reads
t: 2:14
